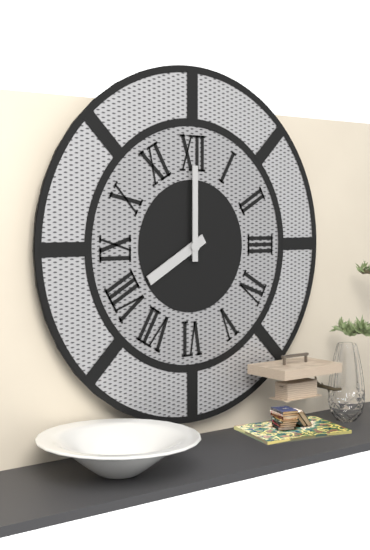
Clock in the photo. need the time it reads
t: 8:00
